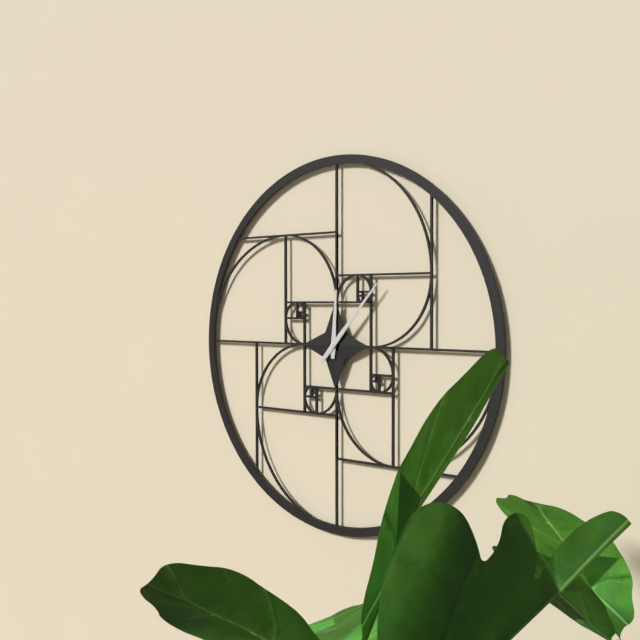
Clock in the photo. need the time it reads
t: 12:07
